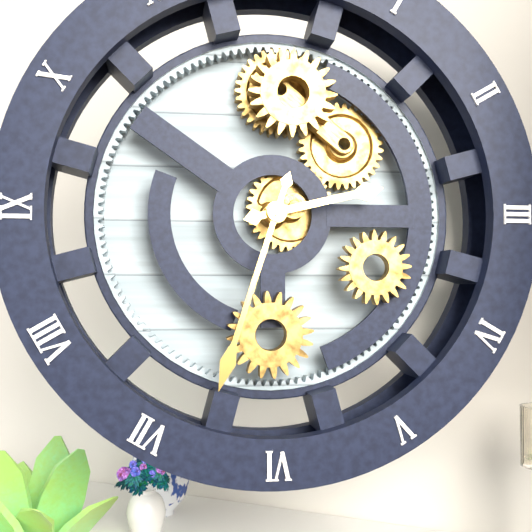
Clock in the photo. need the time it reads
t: 2:33
